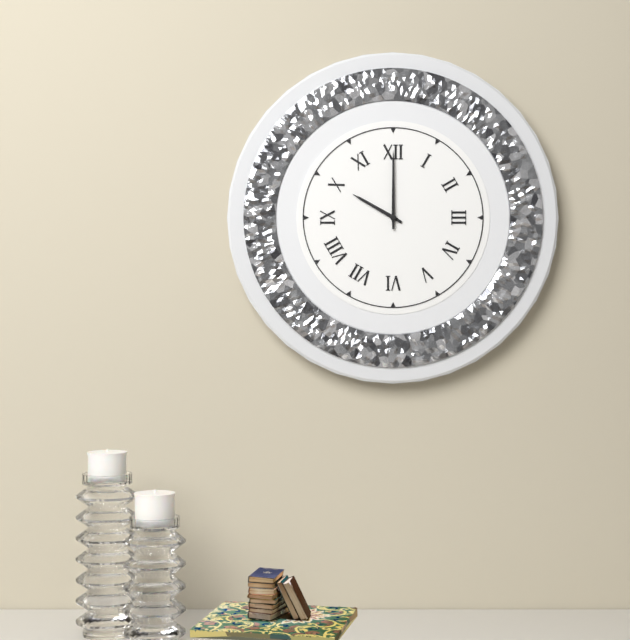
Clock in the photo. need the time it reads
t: 10:00
